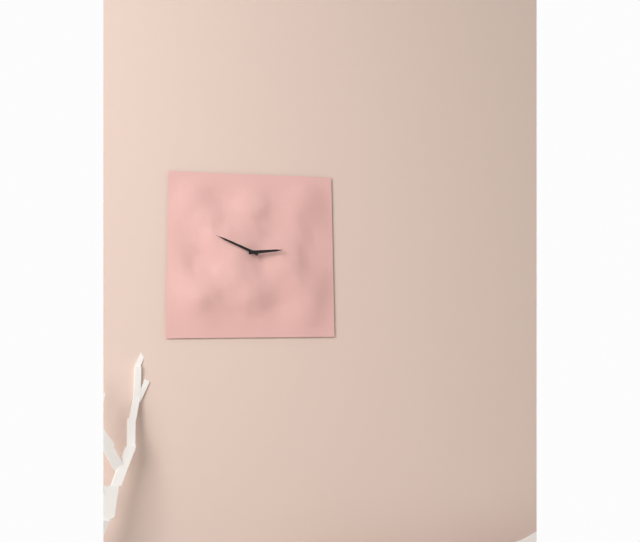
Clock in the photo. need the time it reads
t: 2:49
